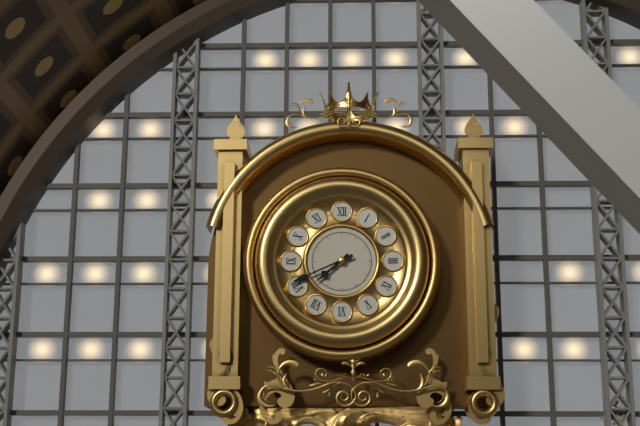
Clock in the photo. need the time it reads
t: 7:41
